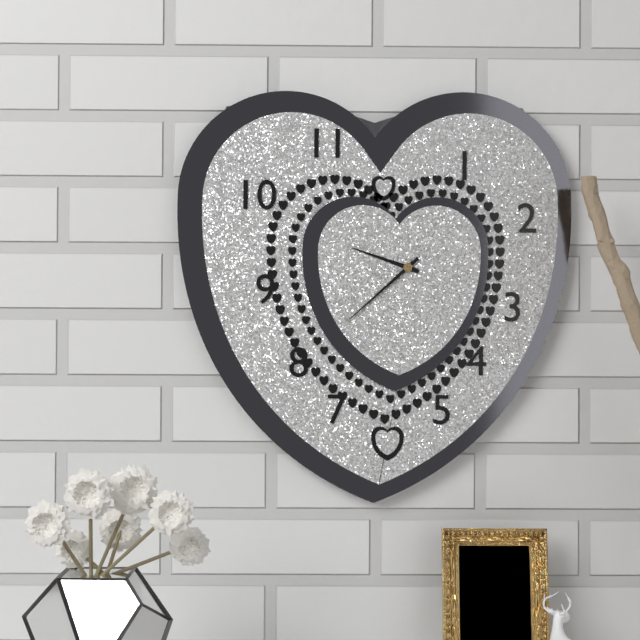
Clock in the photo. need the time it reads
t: 9:38
